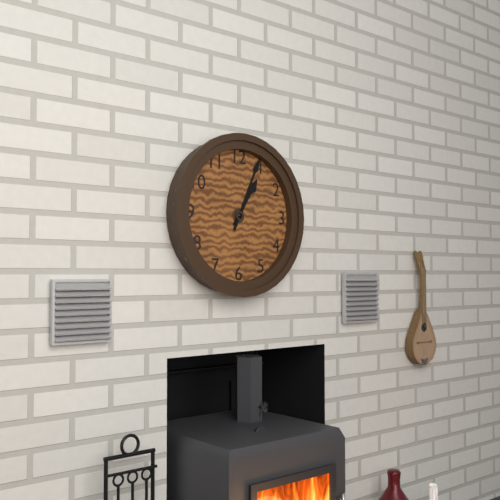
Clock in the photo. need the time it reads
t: 1:04
